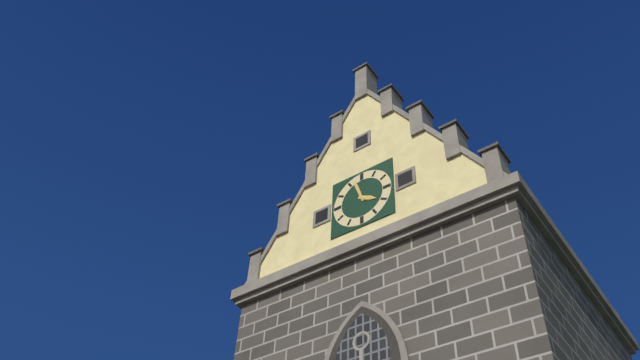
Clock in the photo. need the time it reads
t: 3:57
